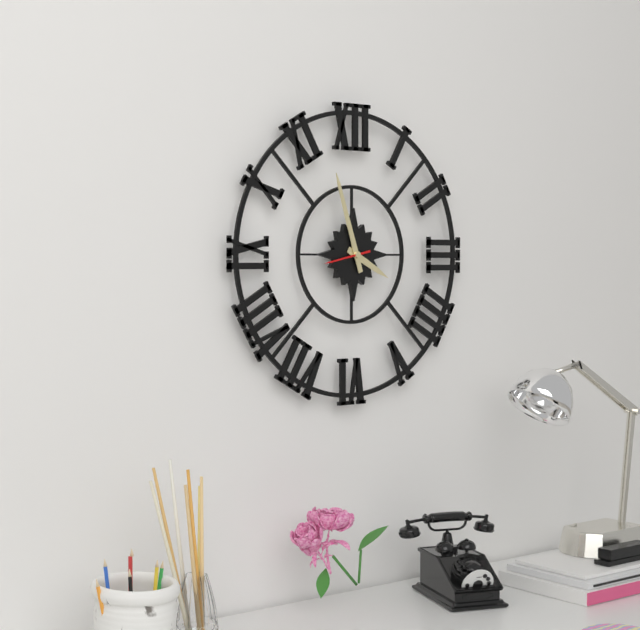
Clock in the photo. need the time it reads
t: 3:57
